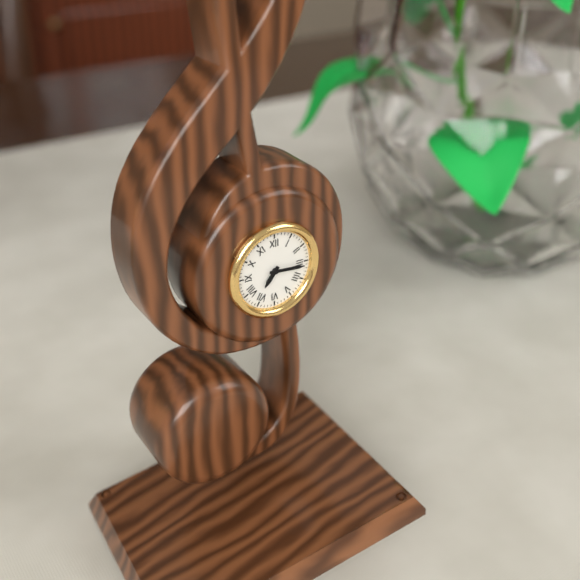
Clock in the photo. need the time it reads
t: 7:16
